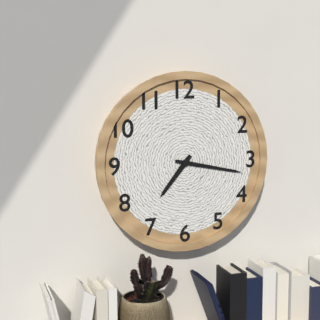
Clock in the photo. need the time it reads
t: 7:17
